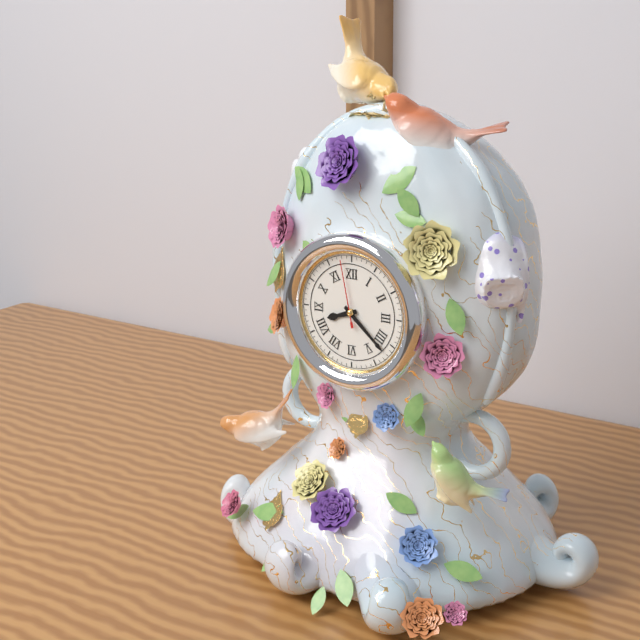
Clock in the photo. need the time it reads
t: 8:22:58
